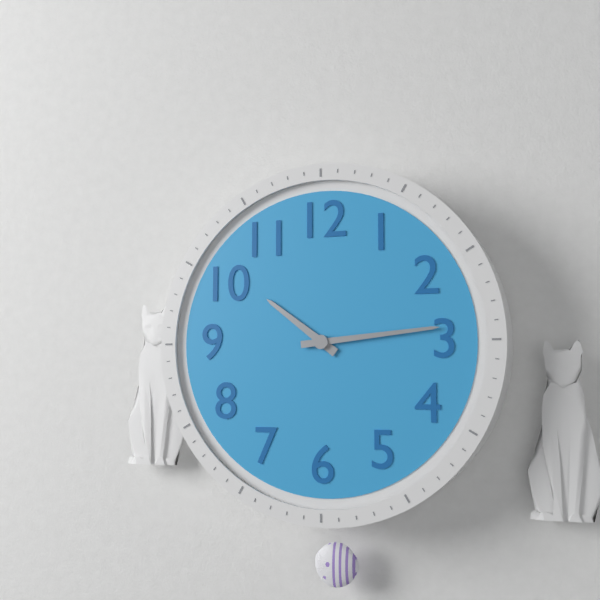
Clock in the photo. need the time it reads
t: 10:14
